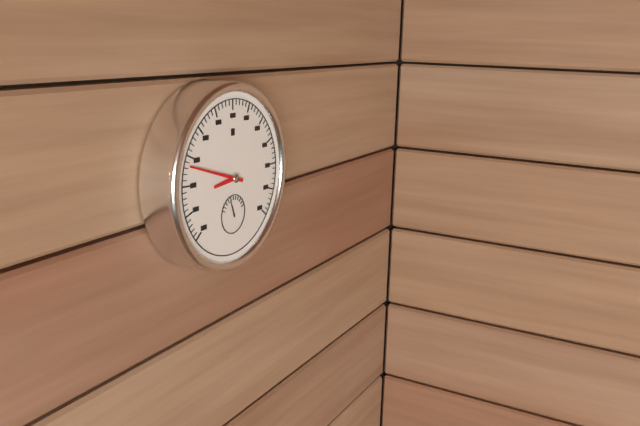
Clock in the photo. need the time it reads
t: 8:48
